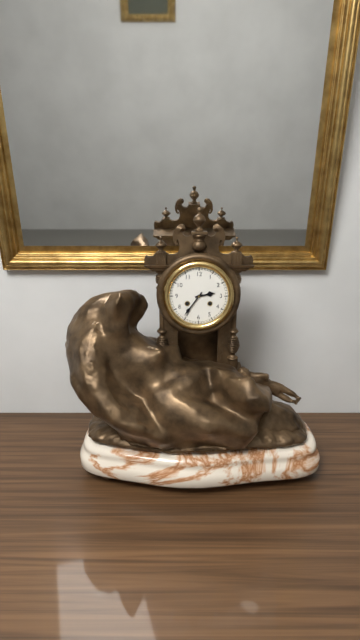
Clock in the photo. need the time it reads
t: 2:36
